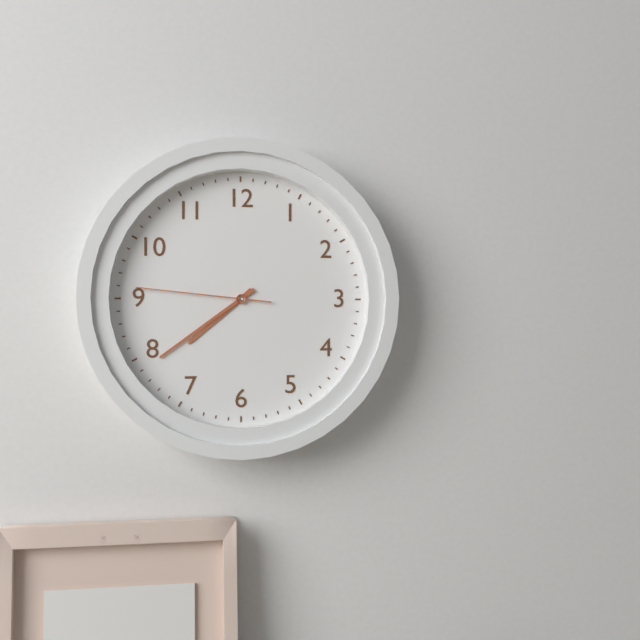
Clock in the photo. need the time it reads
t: 7:39:46
